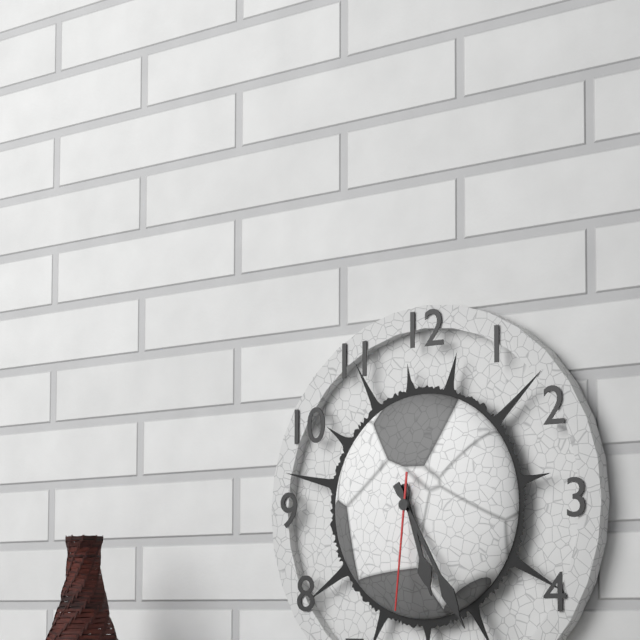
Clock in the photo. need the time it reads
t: 5:25:31
